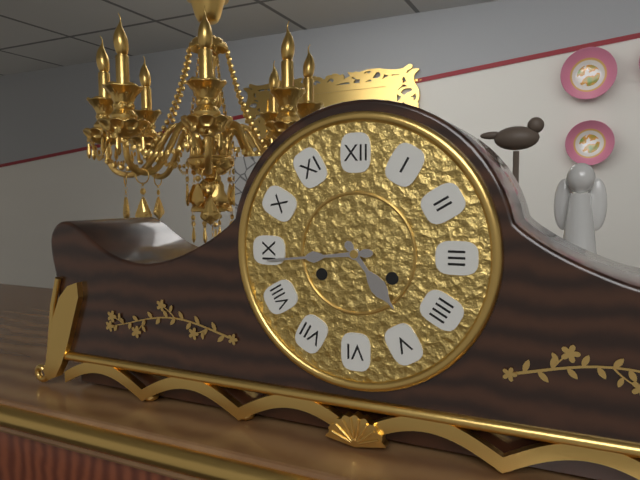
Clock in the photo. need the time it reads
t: 4:44
